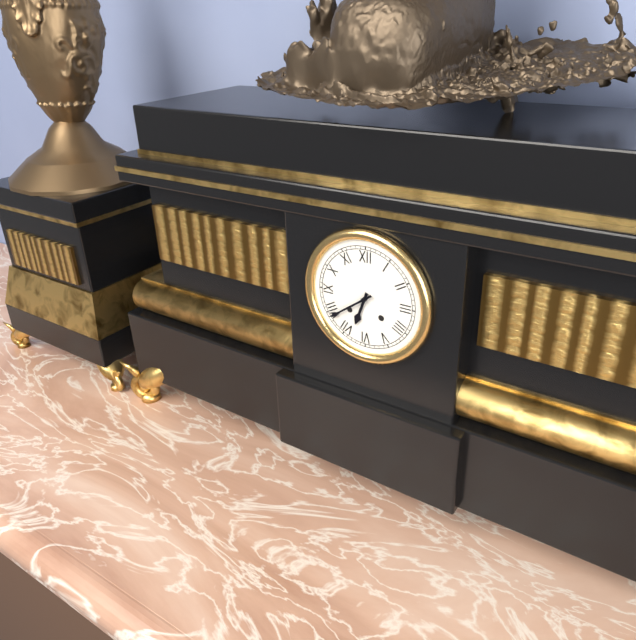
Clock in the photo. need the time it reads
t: 6:39
